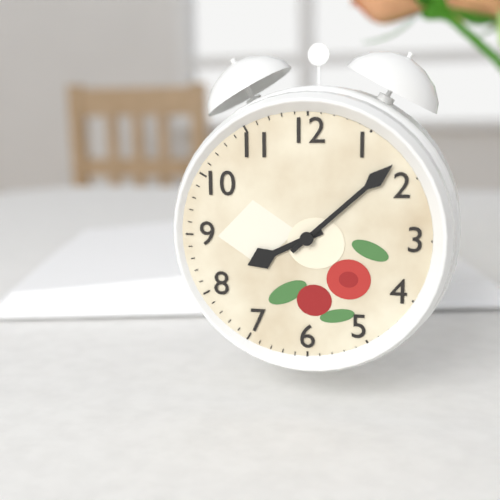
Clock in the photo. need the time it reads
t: 8:08
